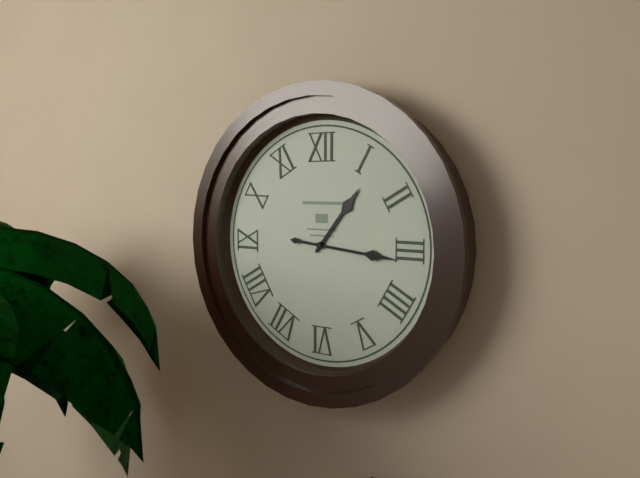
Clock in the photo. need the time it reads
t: 1:16
